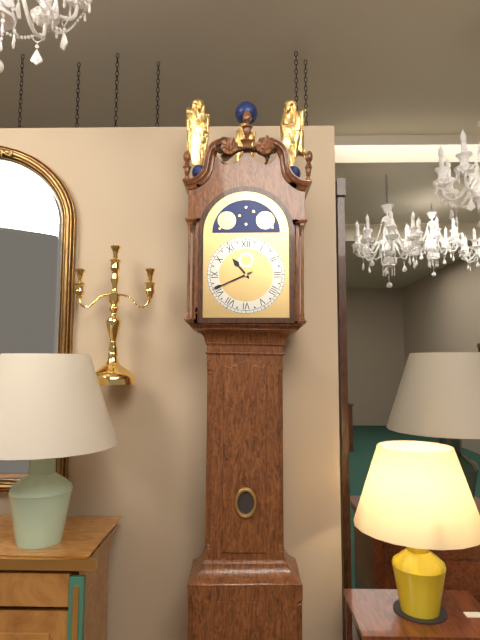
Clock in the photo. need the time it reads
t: 10:41
